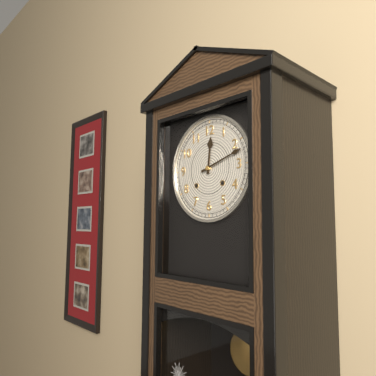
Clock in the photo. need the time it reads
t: 12:12
